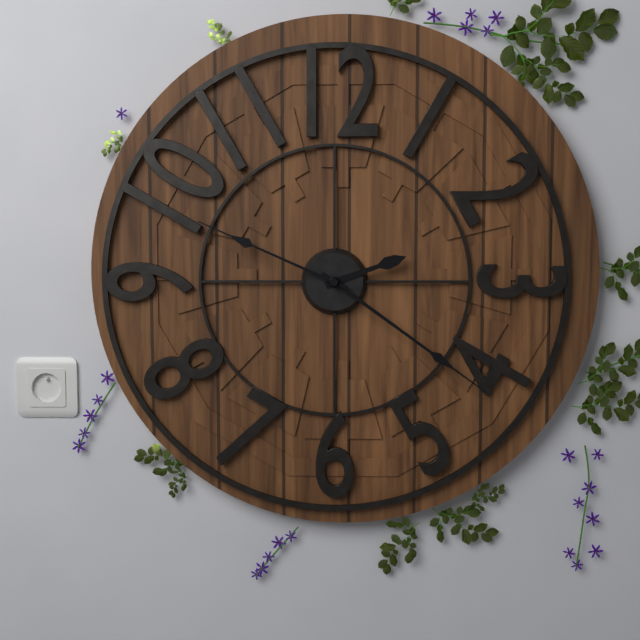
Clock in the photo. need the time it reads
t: 2:21:49
